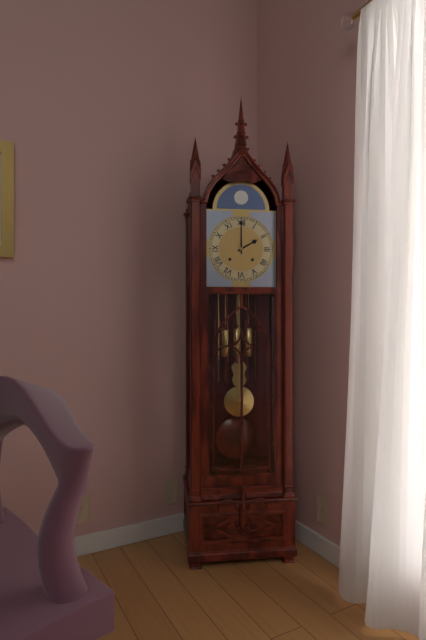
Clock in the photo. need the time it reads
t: 2:00
